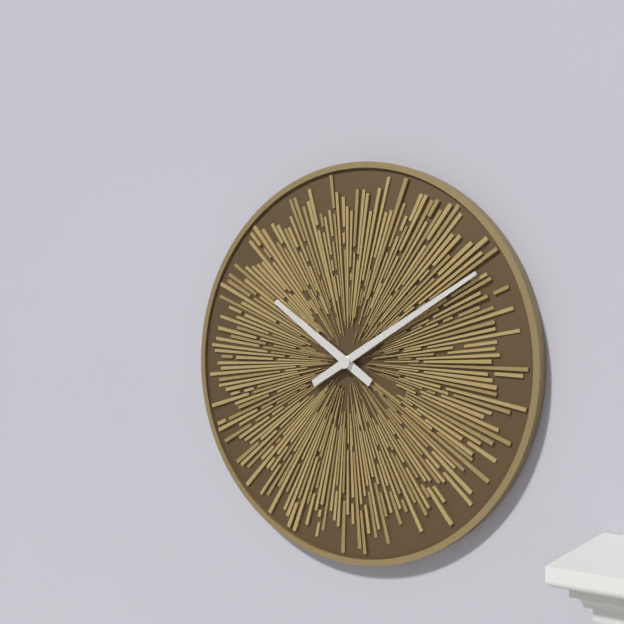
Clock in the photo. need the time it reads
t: 10:10
